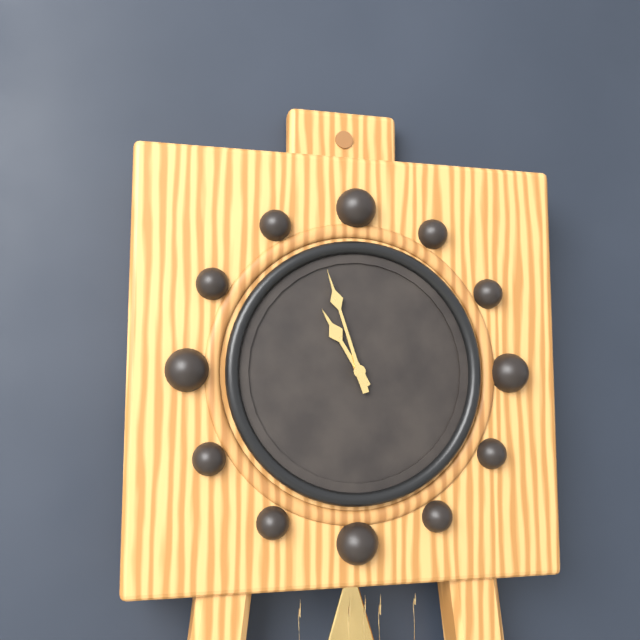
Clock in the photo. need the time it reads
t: 10:57
